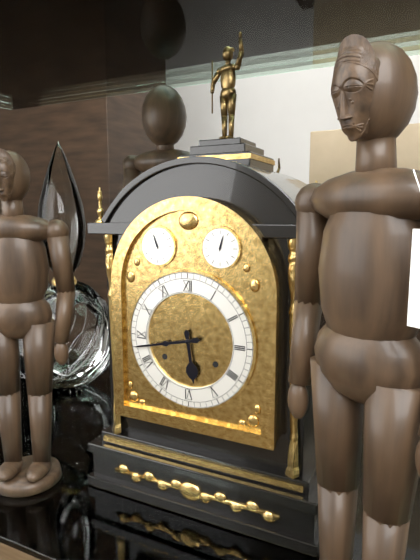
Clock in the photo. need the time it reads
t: 5:43
